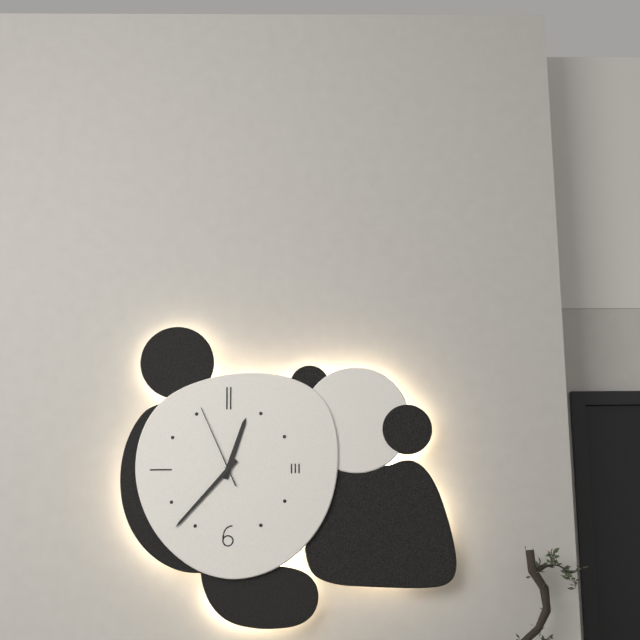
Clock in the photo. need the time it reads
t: 12:37:56
